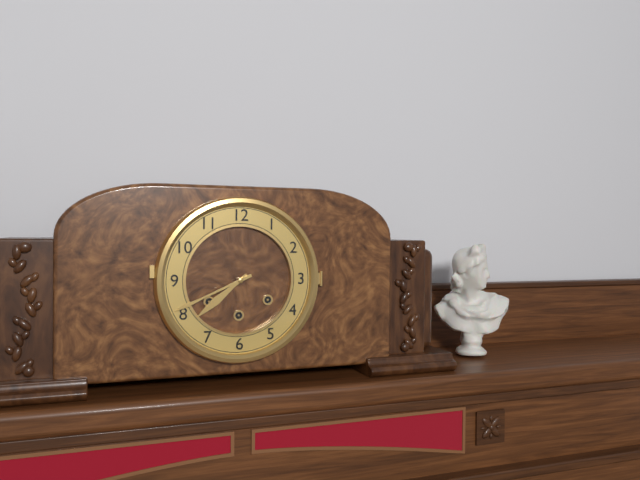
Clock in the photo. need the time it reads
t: 7:41
